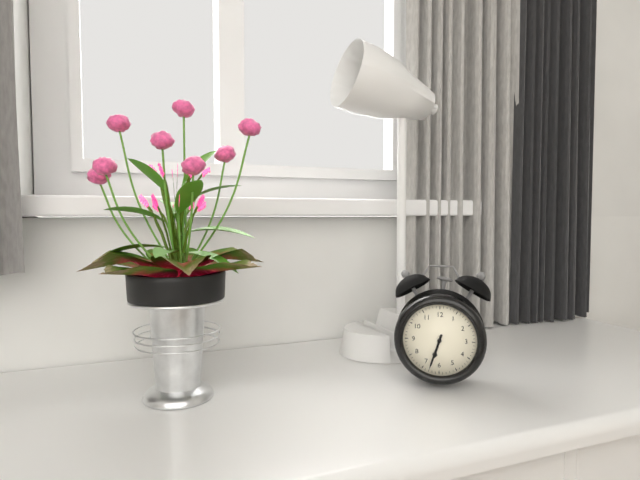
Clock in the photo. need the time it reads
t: 6:33
